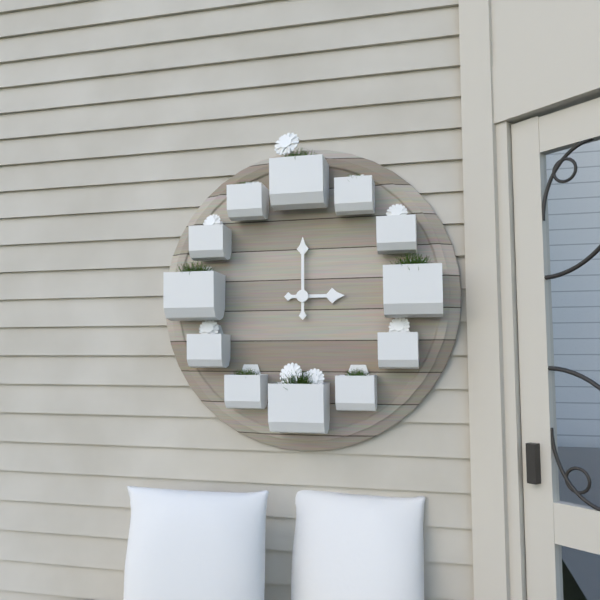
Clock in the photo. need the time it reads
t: 3:00
